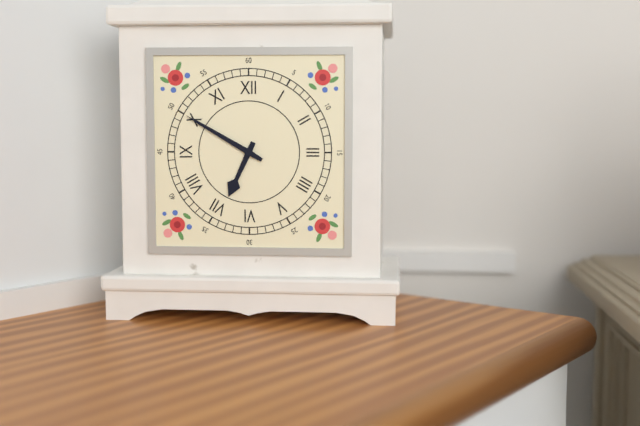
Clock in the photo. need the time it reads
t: 6:50
